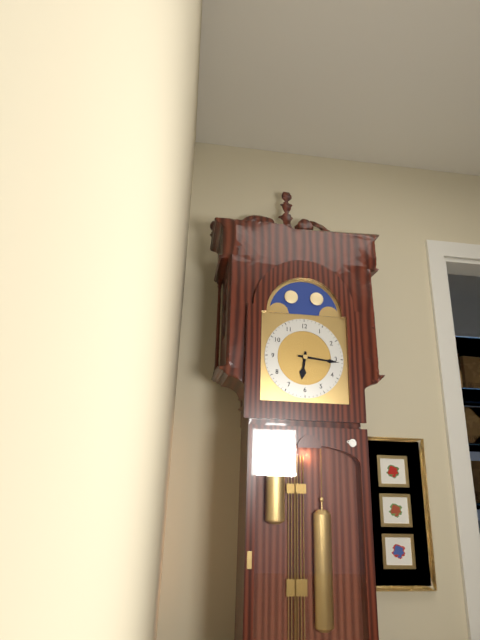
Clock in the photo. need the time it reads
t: 6:16
